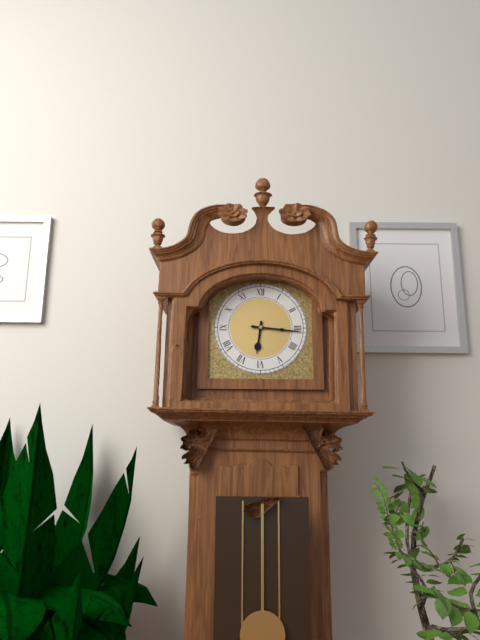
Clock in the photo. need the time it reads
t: 6:16
